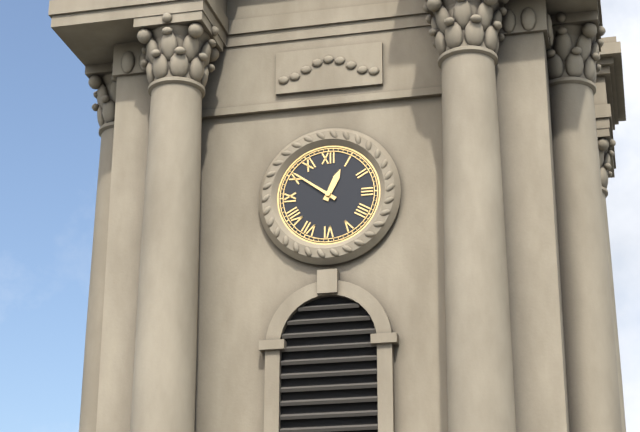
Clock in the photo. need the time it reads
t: 12:51
